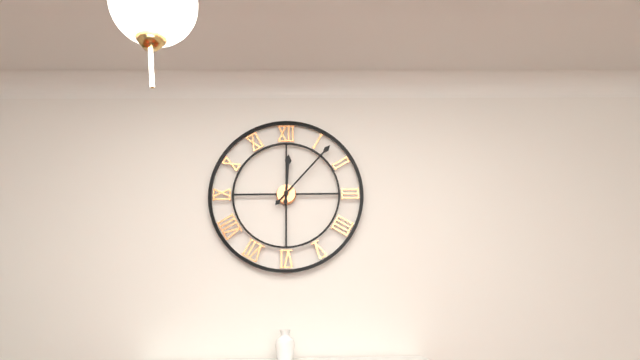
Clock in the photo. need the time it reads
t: 12:07
